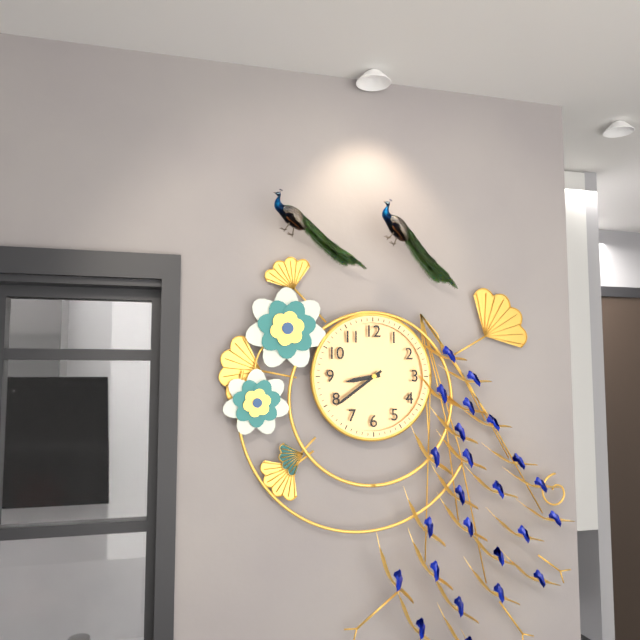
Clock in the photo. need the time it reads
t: 8:39
